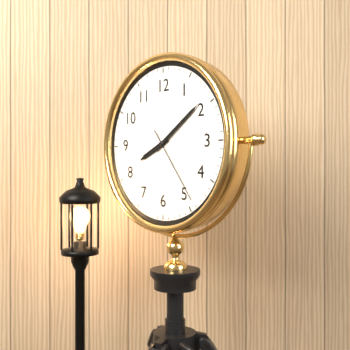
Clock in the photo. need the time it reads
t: 8:09:24
